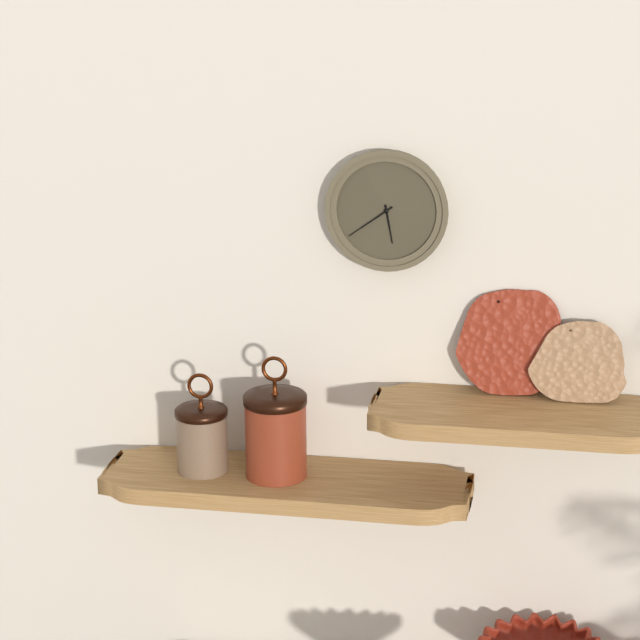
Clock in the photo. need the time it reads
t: 5:39
